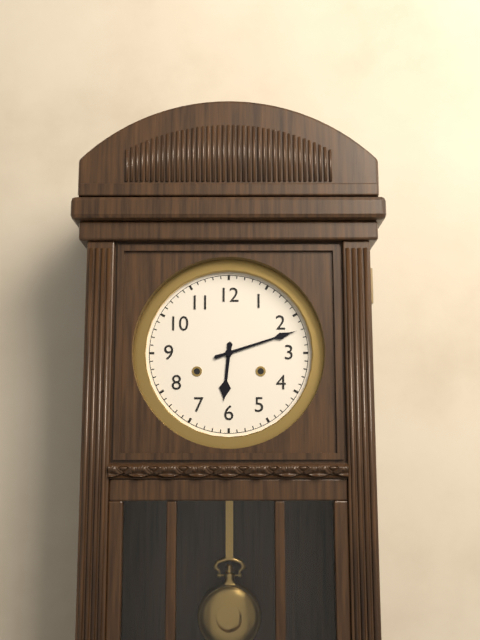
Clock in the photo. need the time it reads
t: 6:12
